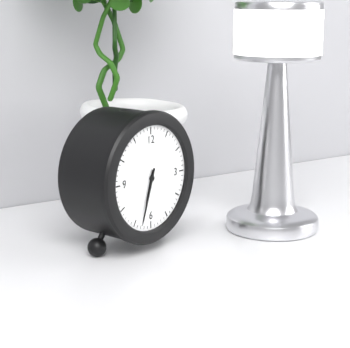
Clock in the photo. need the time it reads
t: 6:33
